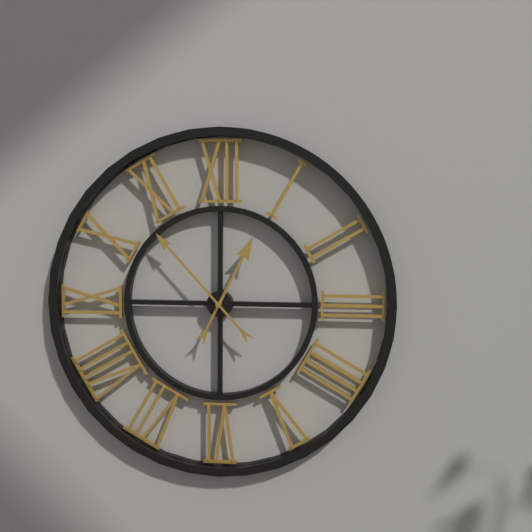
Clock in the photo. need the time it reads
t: 12:53
